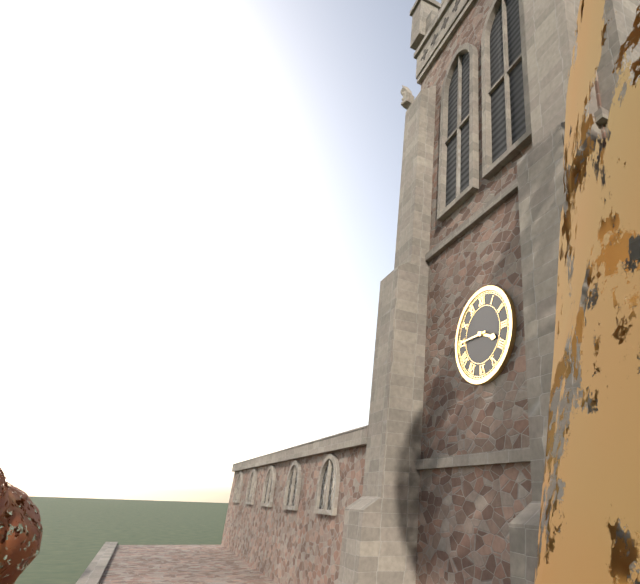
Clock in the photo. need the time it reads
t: 3:45
